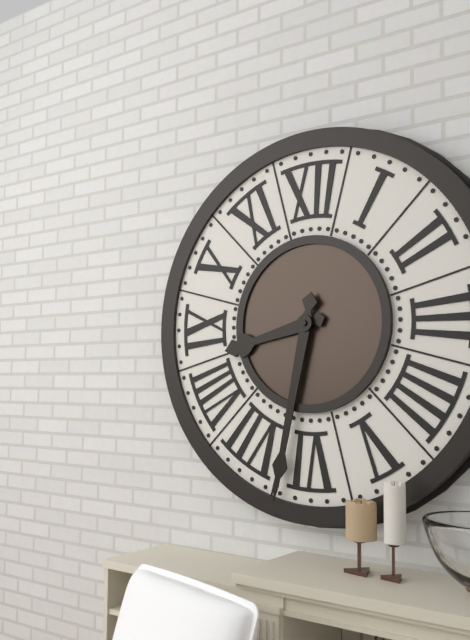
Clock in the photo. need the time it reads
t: 8:32
